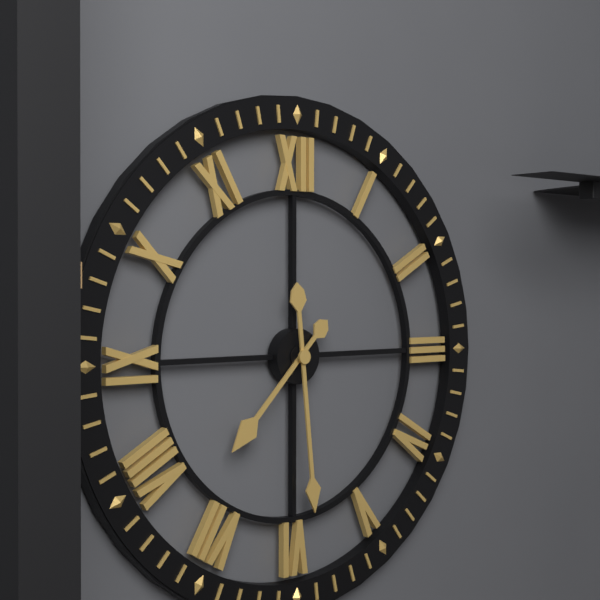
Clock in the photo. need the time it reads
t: 7:29
